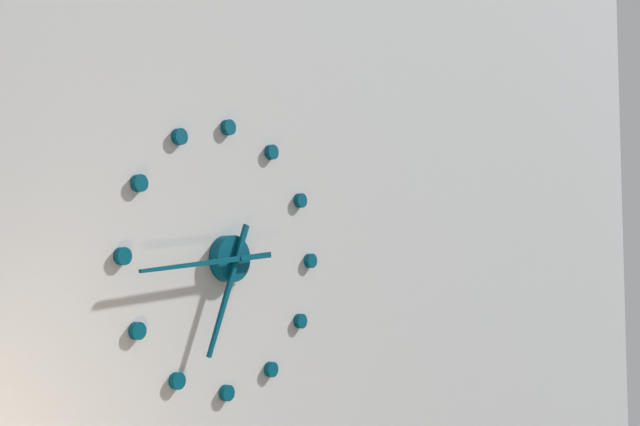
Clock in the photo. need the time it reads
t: 6:44
